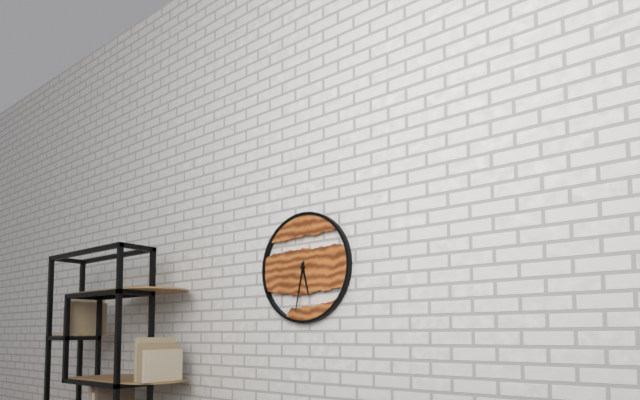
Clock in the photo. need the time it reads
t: 5:32
